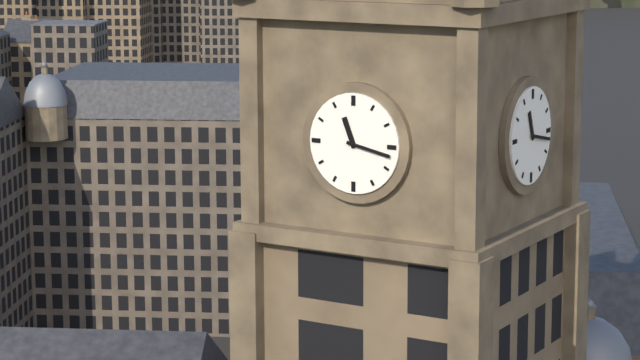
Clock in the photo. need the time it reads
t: 11:17
